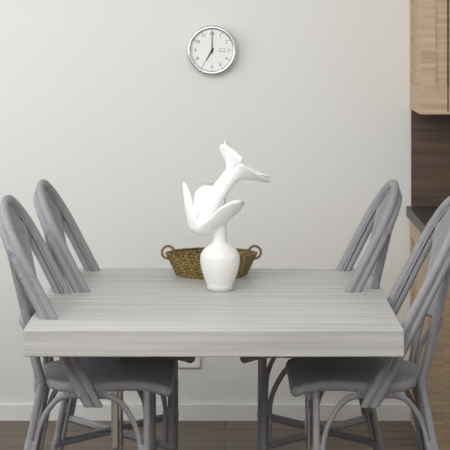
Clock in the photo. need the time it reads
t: 7:00
